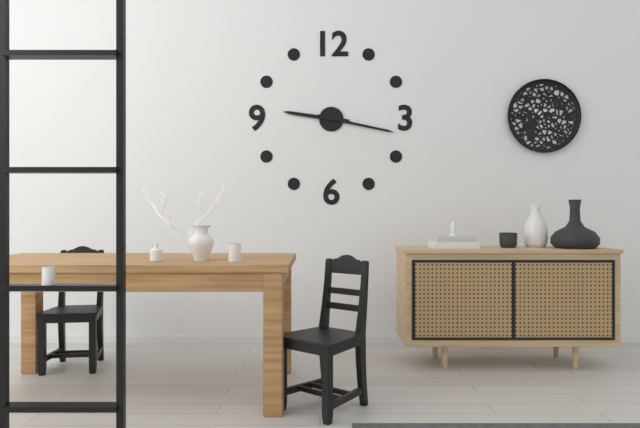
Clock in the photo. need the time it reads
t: 9:17
